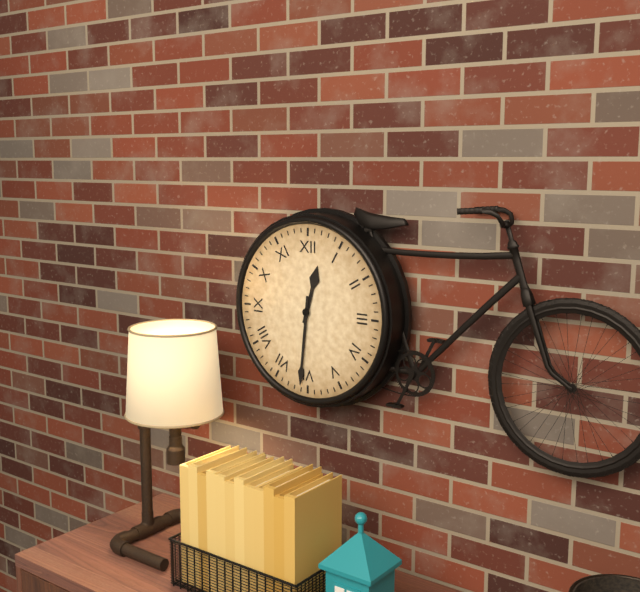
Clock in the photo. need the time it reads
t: 12:31
